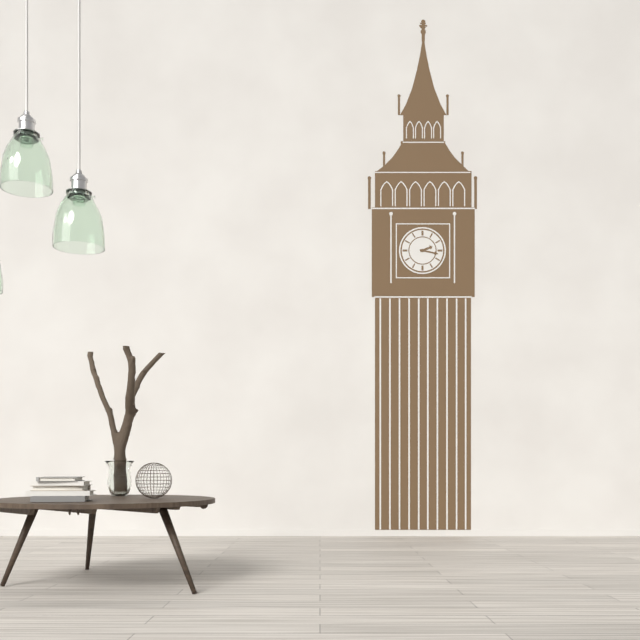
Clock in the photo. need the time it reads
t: 2:17
